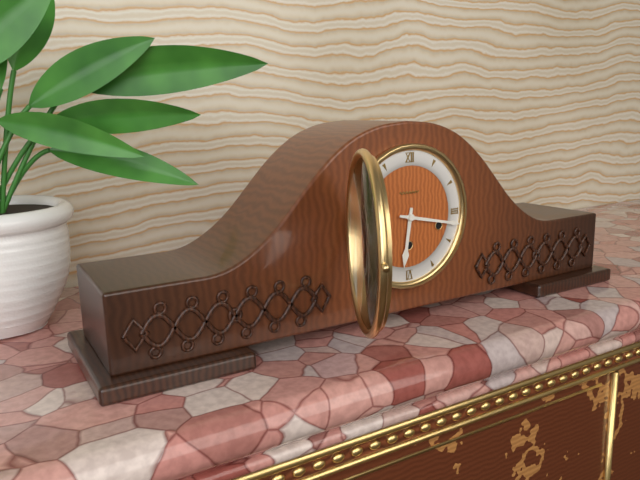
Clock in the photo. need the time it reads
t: 6:17
